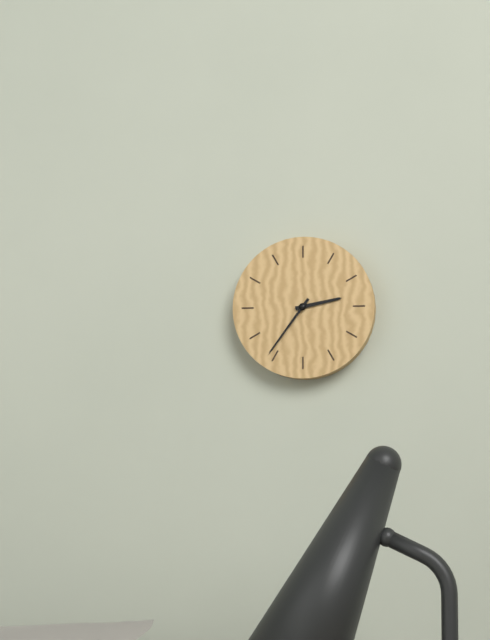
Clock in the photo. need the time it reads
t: 2:36
